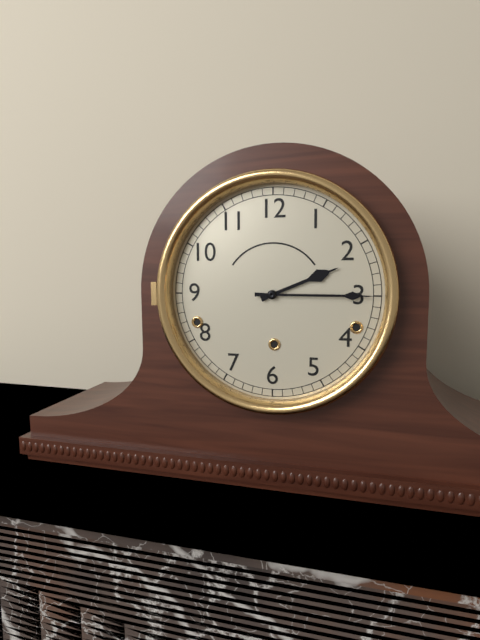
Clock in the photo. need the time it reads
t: 2:15
